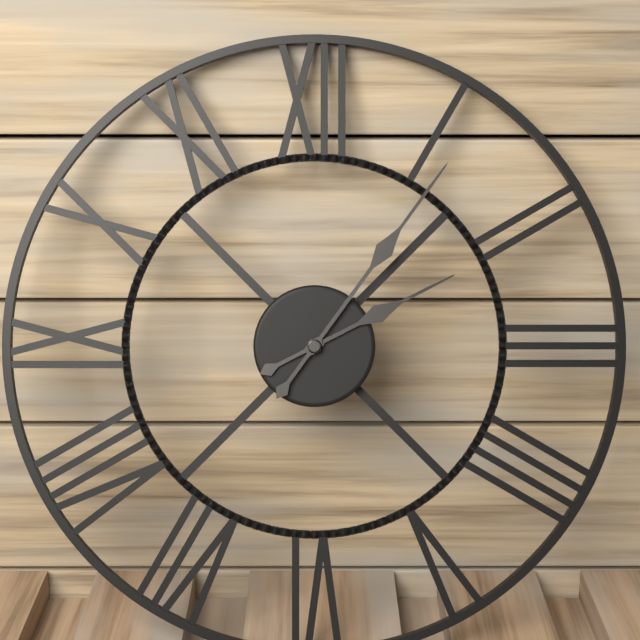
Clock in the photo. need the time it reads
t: 2:06
